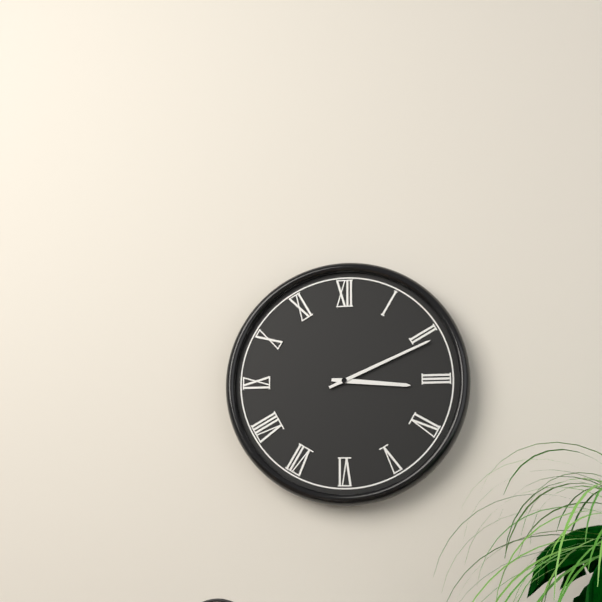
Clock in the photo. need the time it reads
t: 3:11
